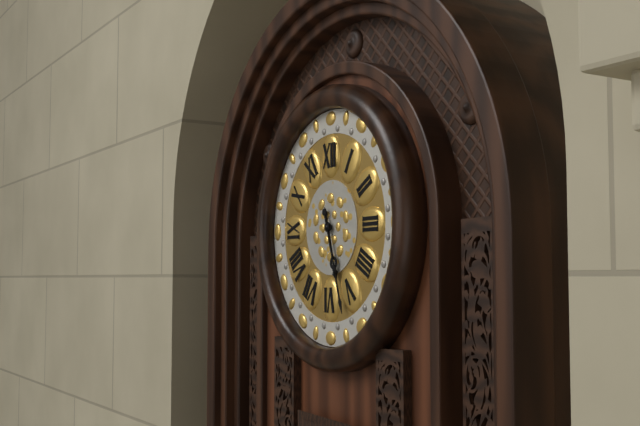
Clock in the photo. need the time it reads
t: 5:27
